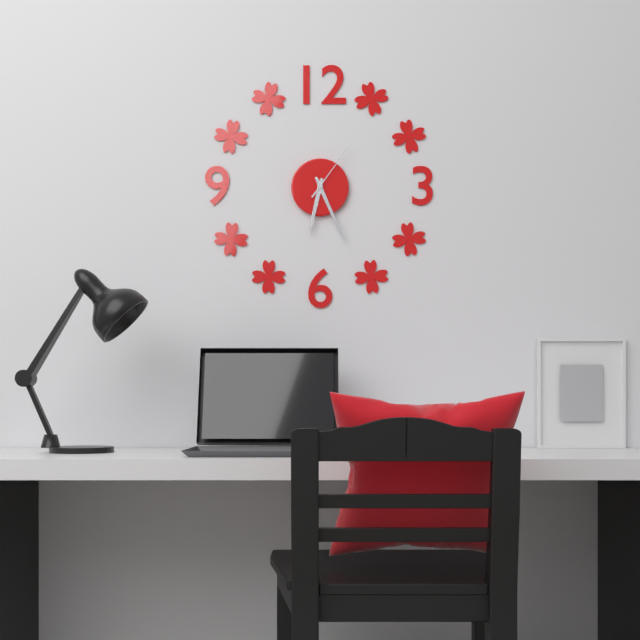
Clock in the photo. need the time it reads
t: 6:26:06
